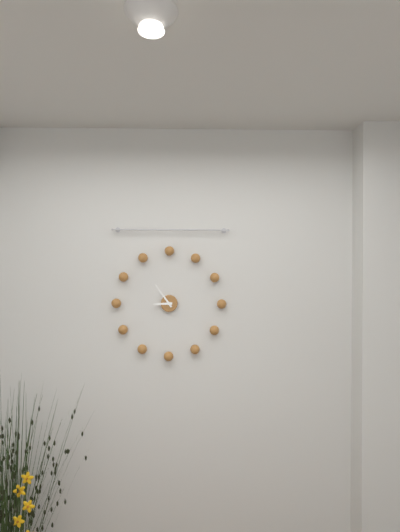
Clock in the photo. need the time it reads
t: 8:54
